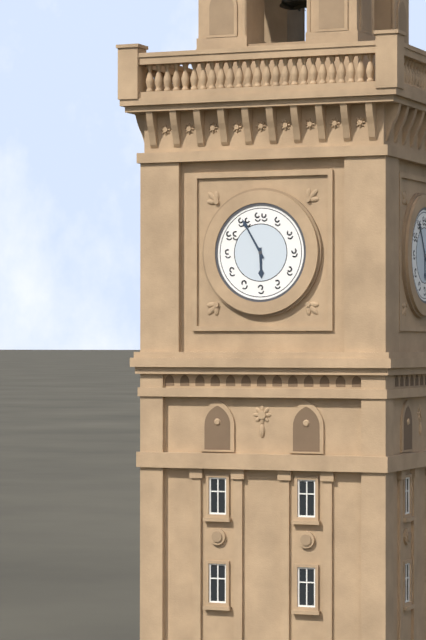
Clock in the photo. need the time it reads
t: 5:55
